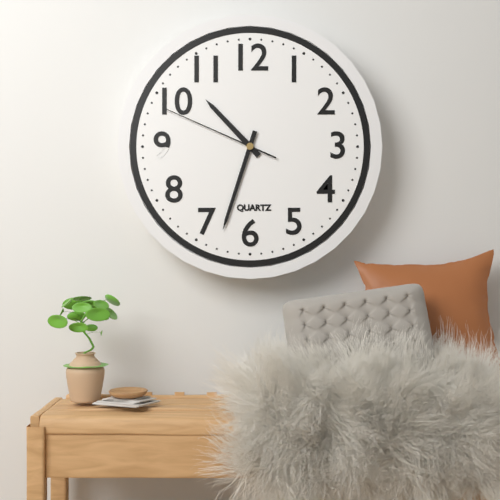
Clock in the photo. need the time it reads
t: 10:33:49
